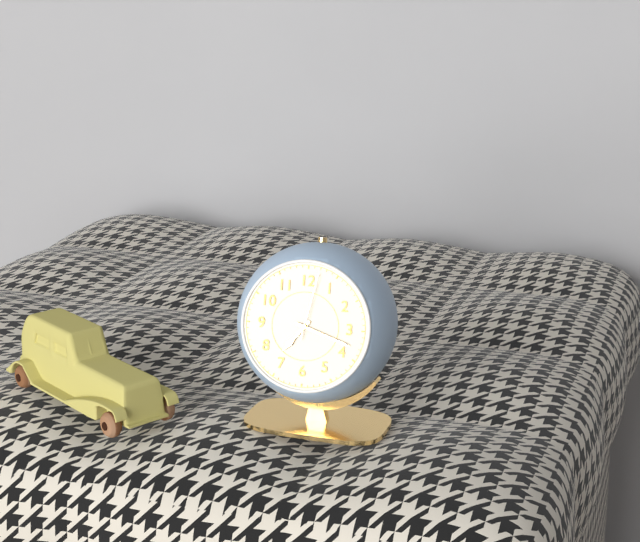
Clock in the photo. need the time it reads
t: 7:18:02
